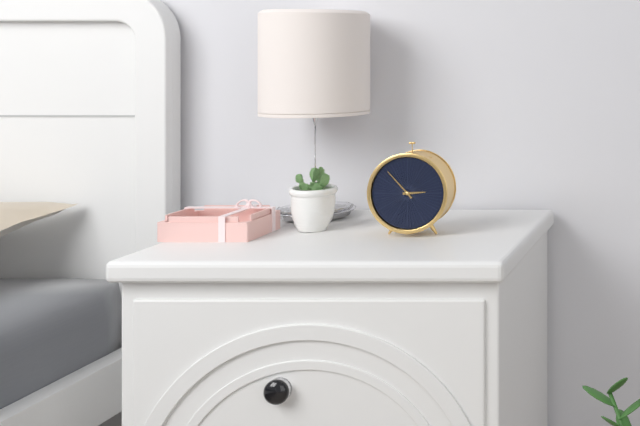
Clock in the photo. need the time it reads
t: 2:53
